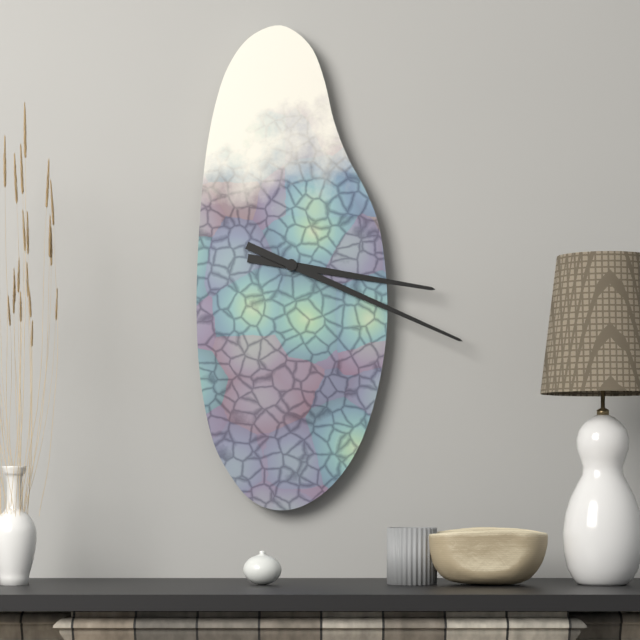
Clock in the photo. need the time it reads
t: 3:19
